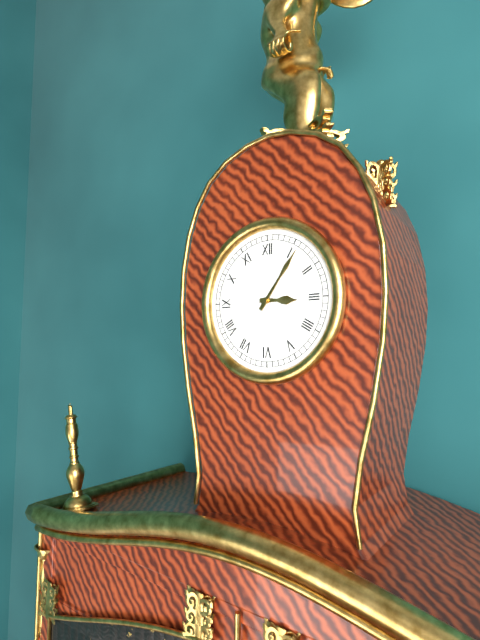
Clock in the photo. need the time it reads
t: 3:06
